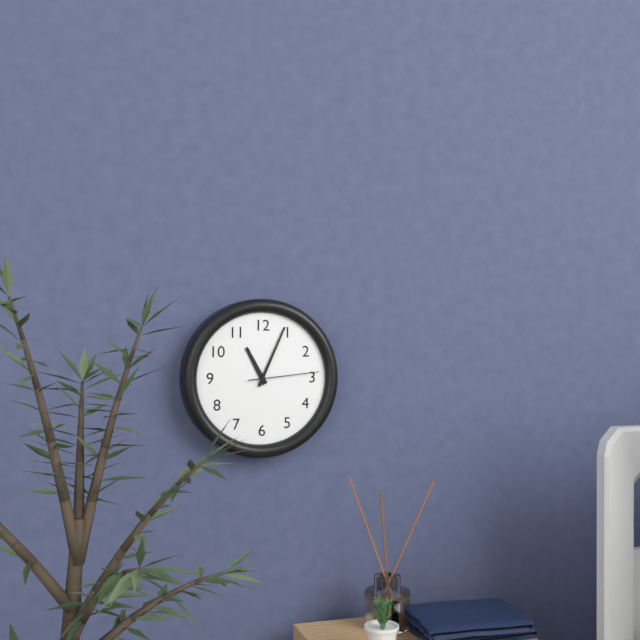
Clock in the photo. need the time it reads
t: 11:04:14
